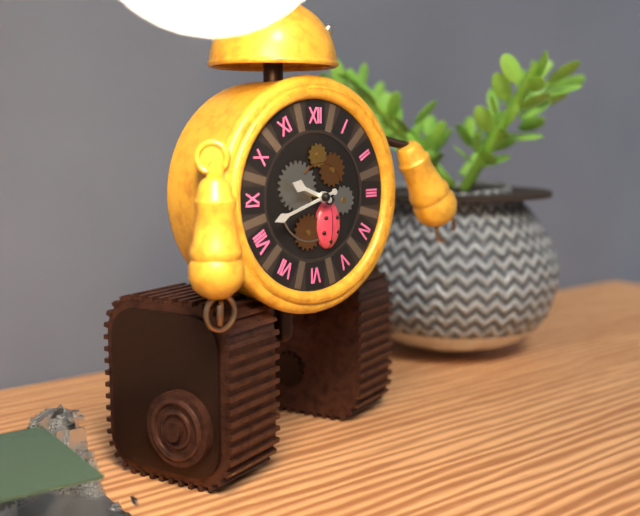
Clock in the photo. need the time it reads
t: 9:42
